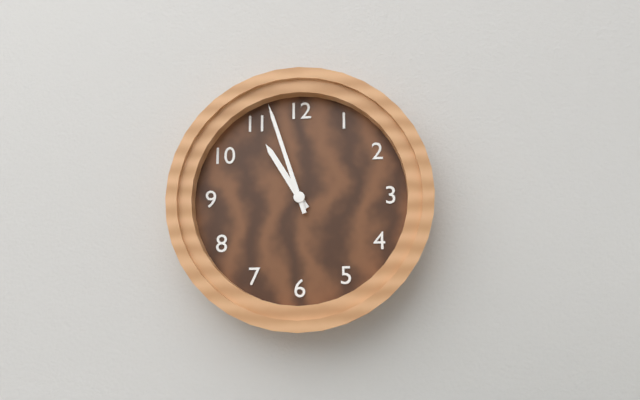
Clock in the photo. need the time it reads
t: 10:57
